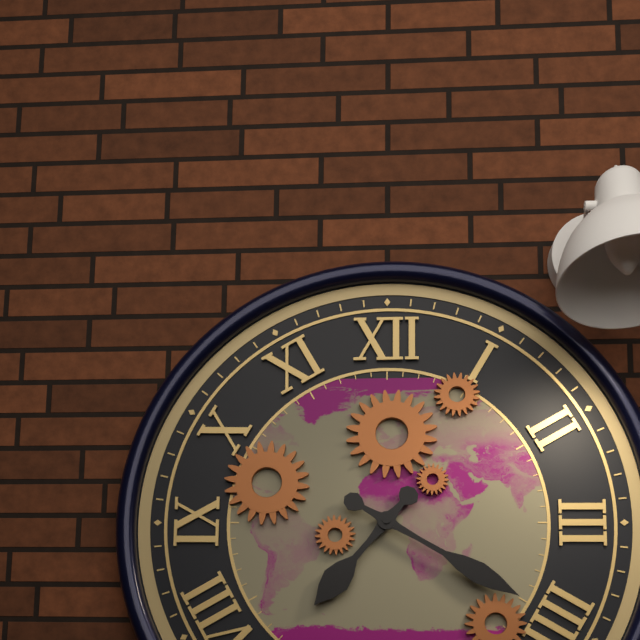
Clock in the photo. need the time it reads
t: 7:20
